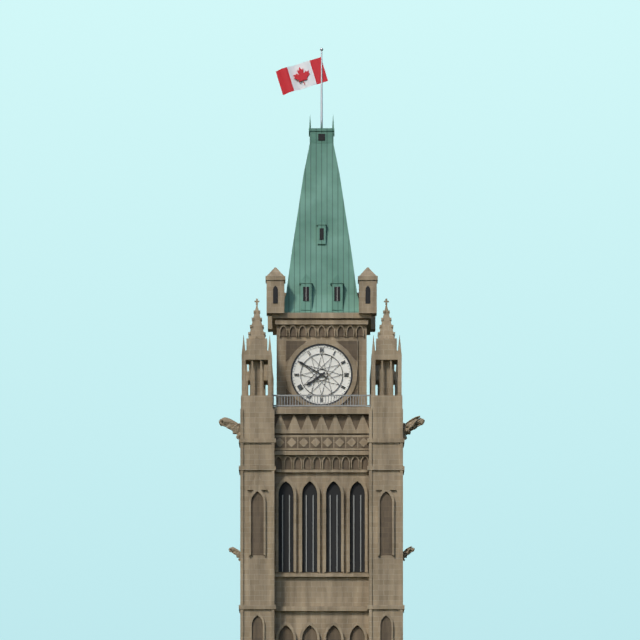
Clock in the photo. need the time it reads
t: 7:50
